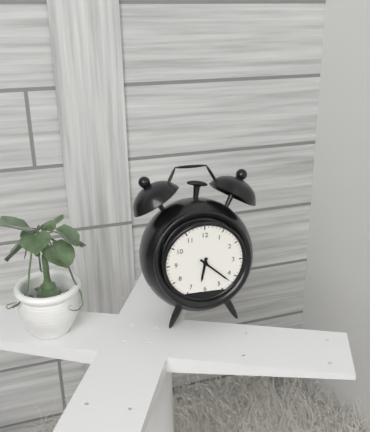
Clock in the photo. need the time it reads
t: 6:22
